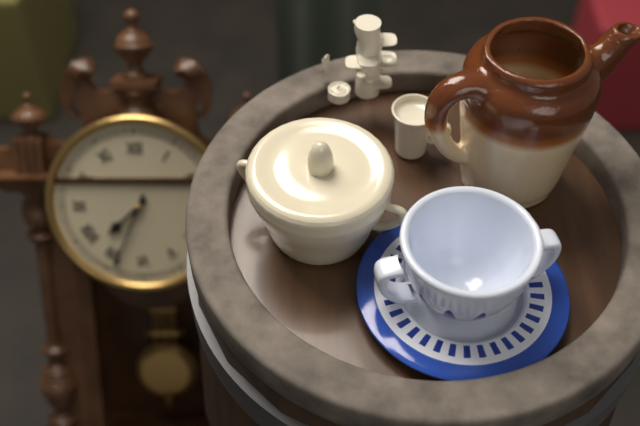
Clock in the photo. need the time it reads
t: 7:34
